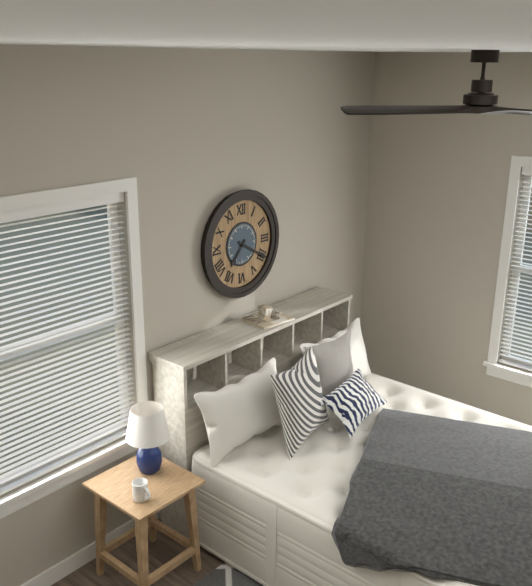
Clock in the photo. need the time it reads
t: 7:20
